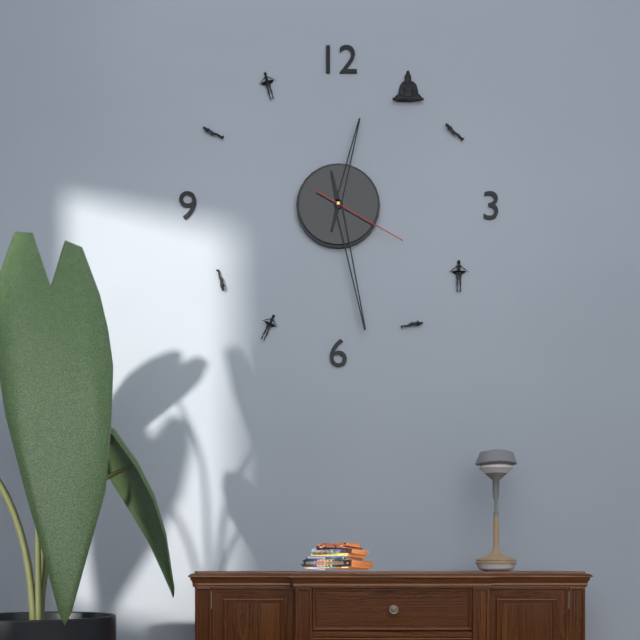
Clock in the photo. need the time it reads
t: 12:28:20
